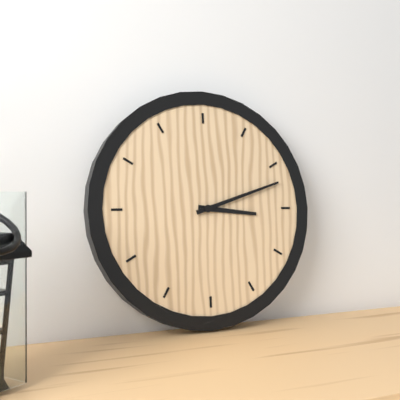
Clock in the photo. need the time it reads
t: 3:12
